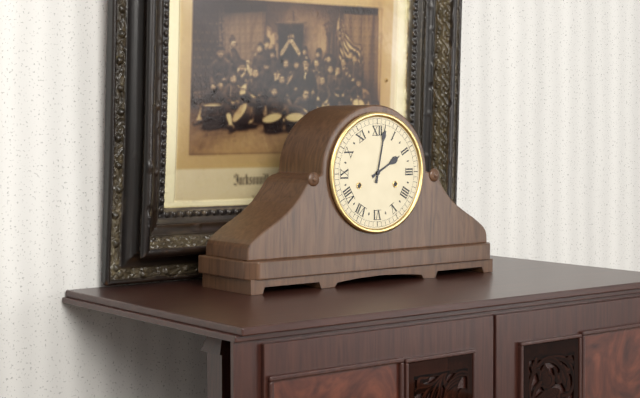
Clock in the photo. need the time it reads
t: 2:02
